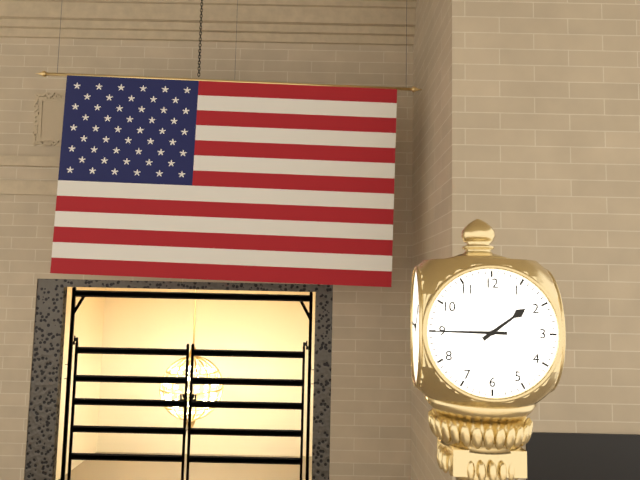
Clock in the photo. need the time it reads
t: 1:45
